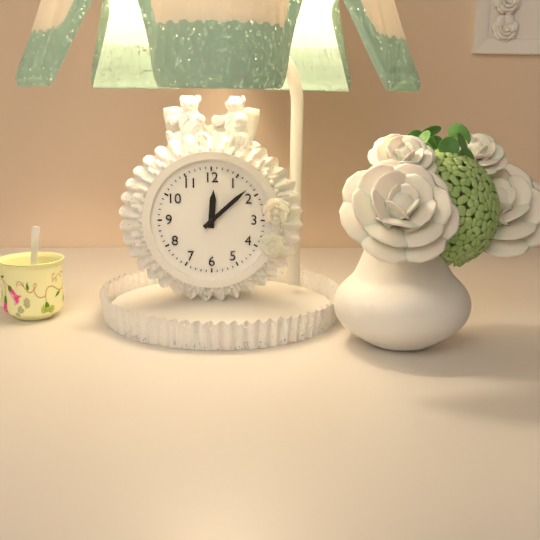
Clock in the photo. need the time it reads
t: 12:08
